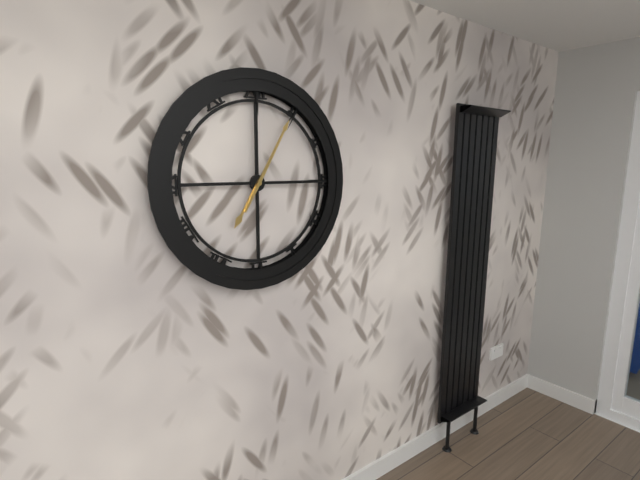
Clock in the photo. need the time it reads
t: 7:05
